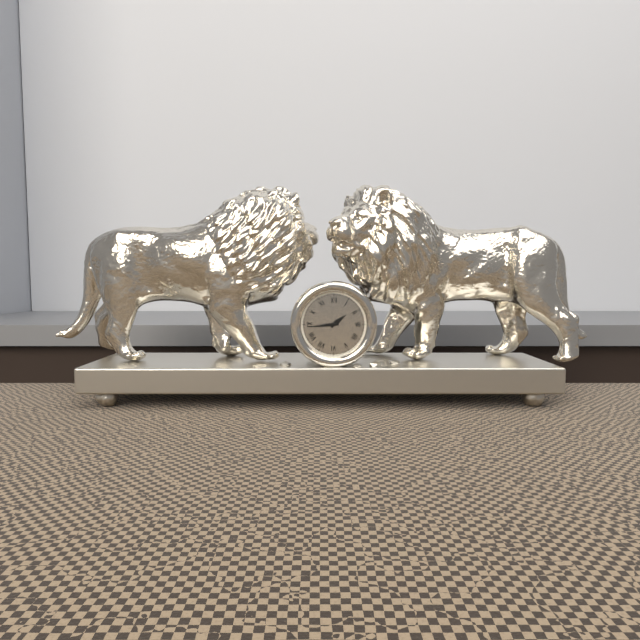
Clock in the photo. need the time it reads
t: 1:44
